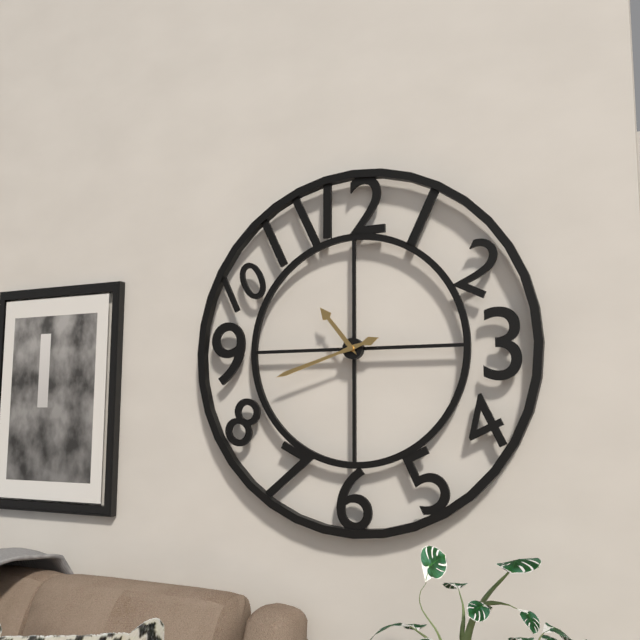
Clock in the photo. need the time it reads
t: 10:42
